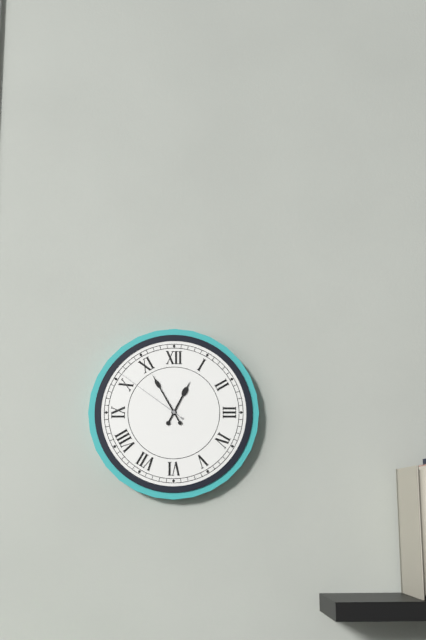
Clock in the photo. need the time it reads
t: 12:55:51
